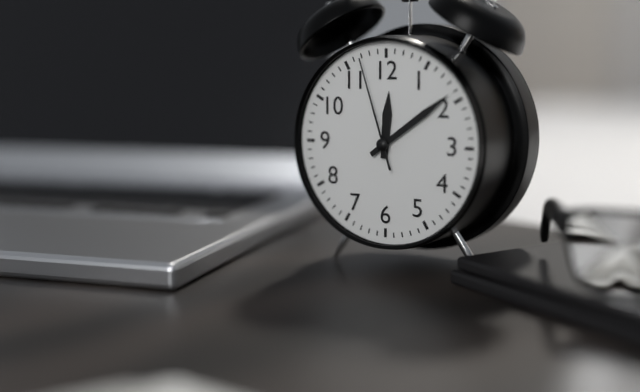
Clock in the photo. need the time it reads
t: 12:09:57
